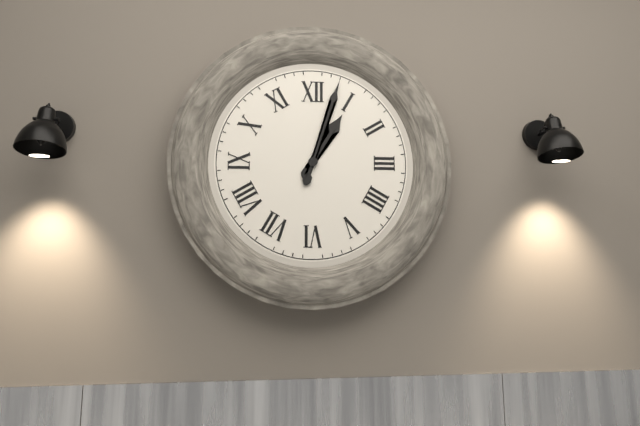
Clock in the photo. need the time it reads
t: 1:03
